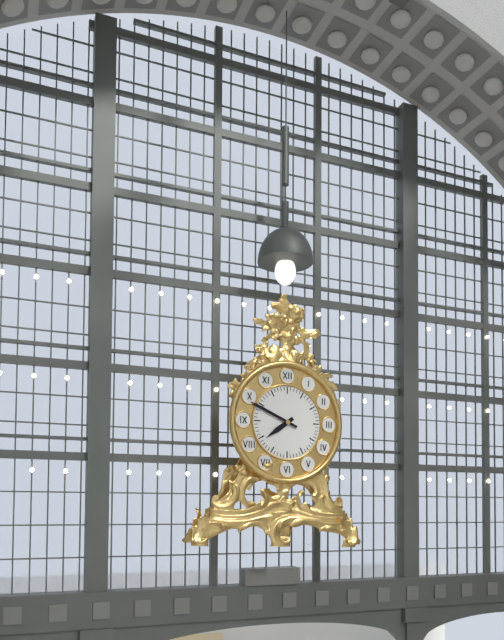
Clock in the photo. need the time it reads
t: 7:49
